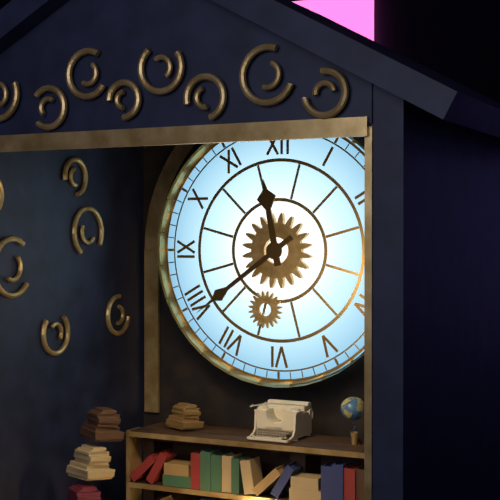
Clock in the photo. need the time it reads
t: 11:39
